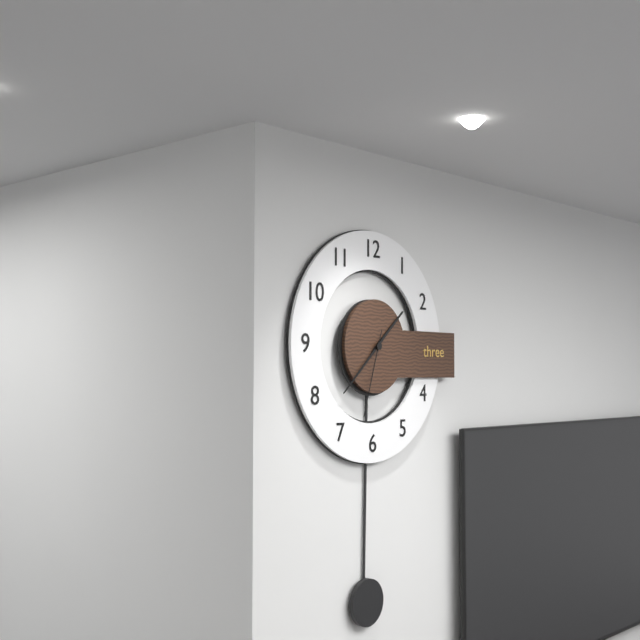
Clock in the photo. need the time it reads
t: 1:38:33
